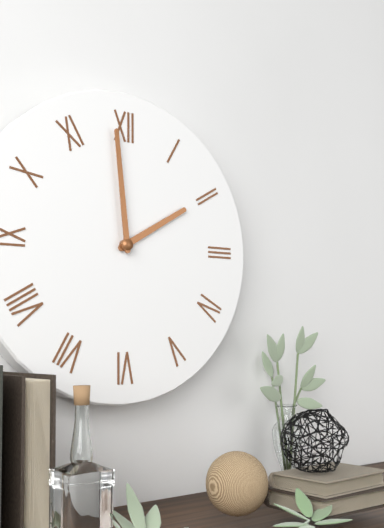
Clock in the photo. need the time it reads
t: 1:59
